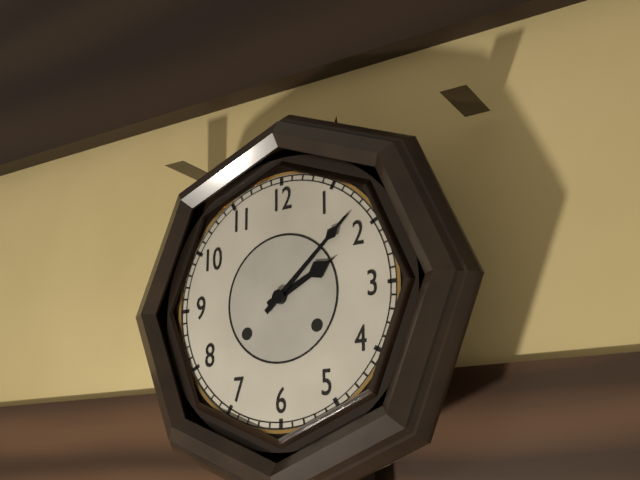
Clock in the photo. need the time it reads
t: 2:08
